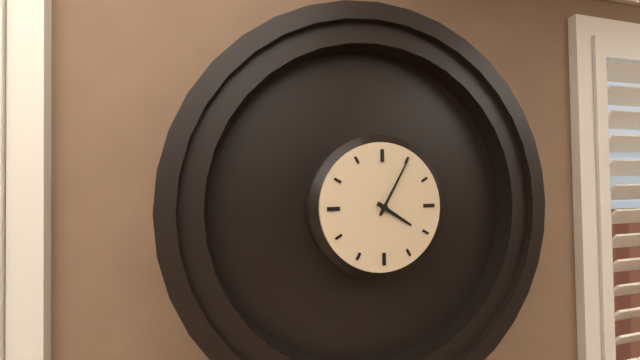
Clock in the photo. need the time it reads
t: 4:05
